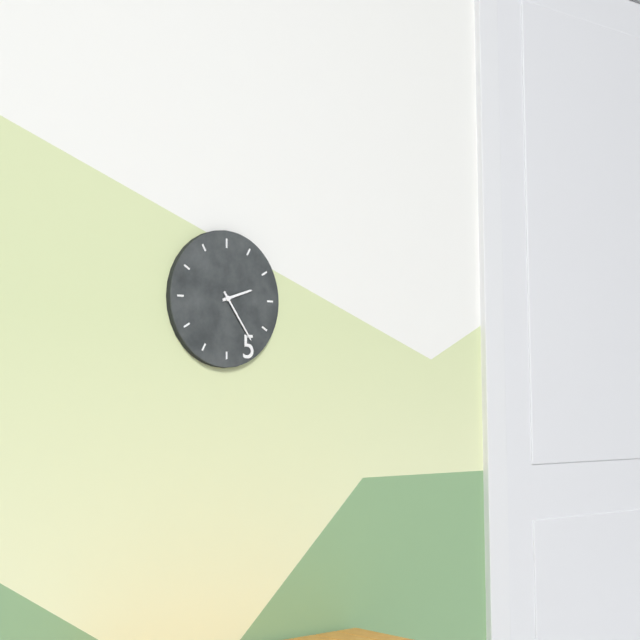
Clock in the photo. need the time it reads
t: 2:24
